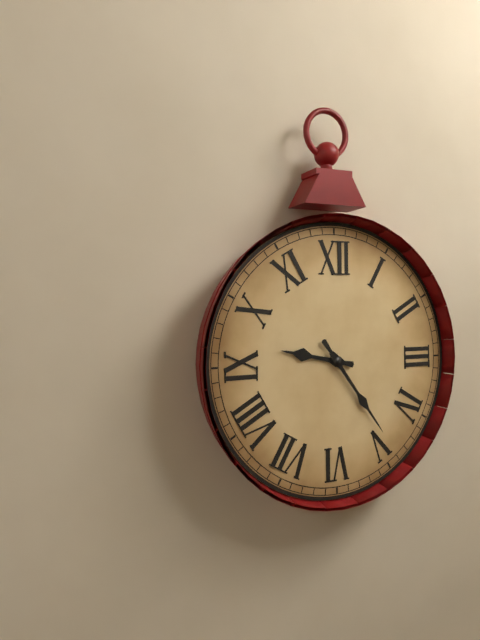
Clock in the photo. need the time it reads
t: 9:24
